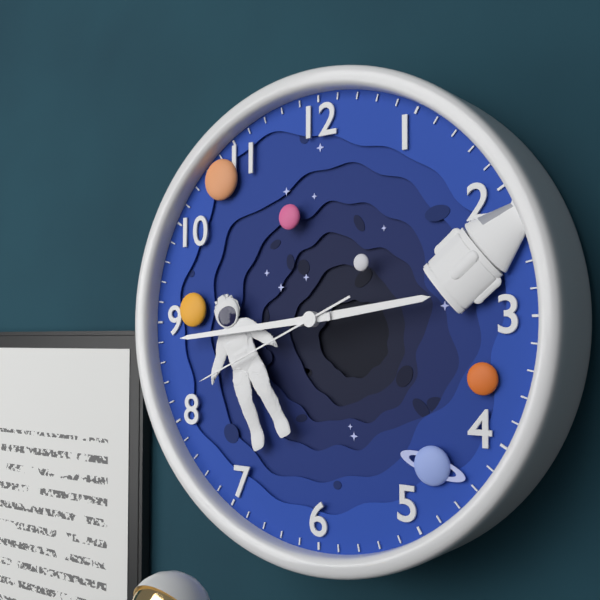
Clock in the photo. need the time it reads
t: 2:44:41
